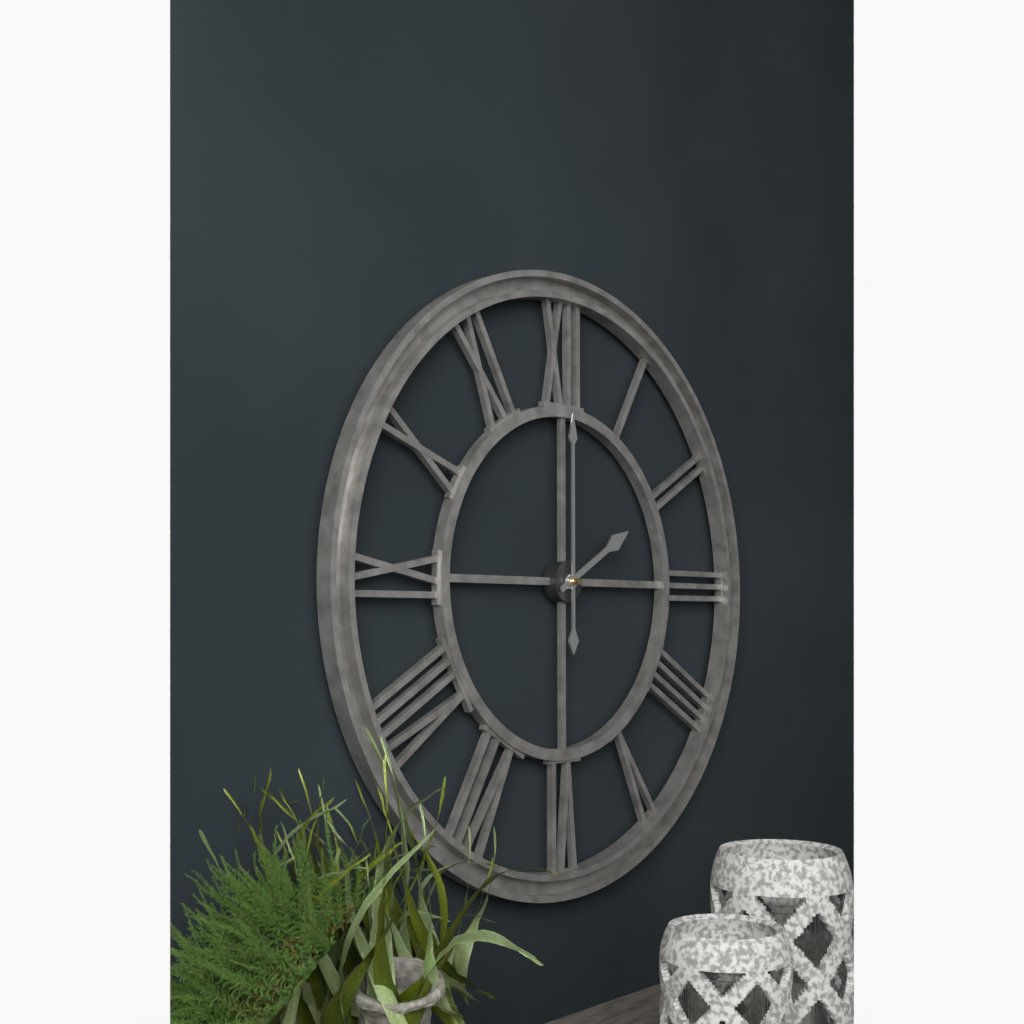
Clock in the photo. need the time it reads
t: 2:00
